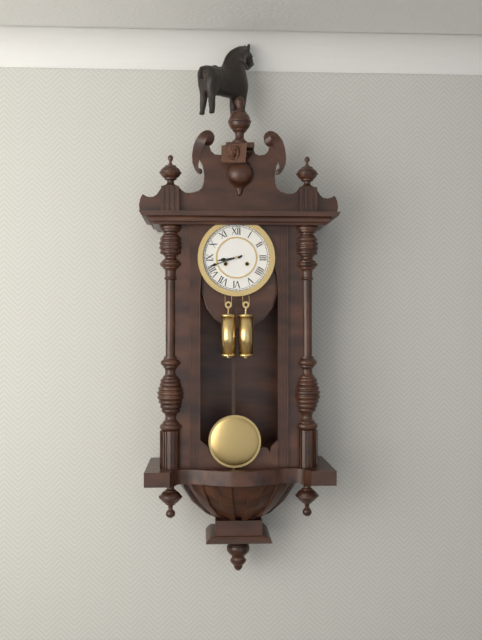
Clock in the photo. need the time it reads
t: 8:42
